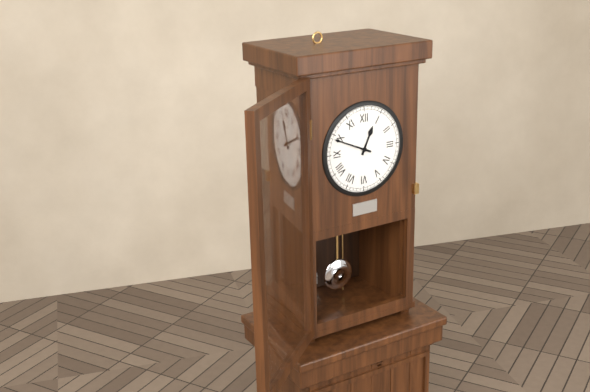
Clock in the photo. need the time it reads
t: 12:49
